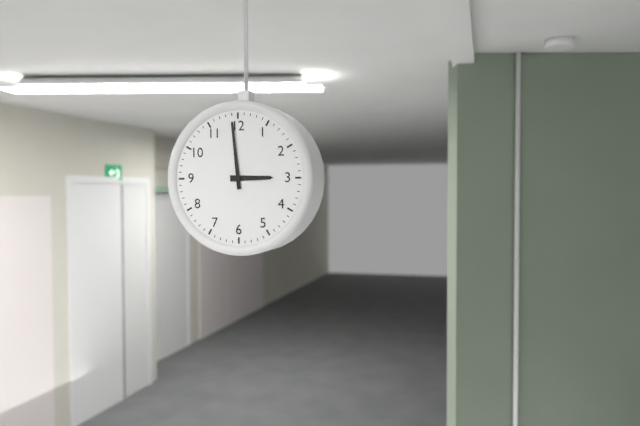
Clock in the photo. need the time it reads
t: 2:59
